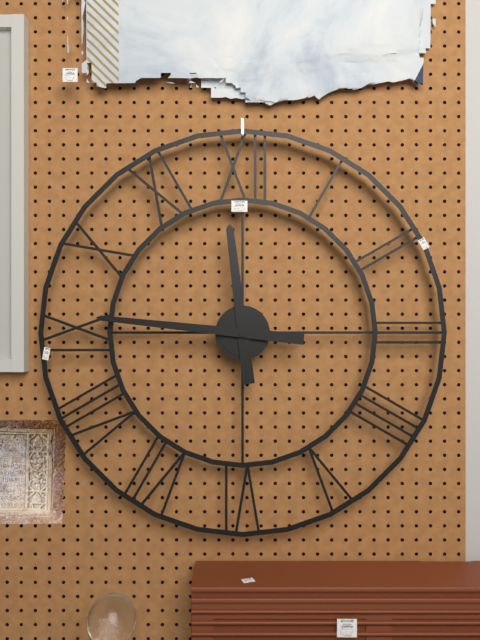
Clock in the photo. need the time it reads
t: 11:46
